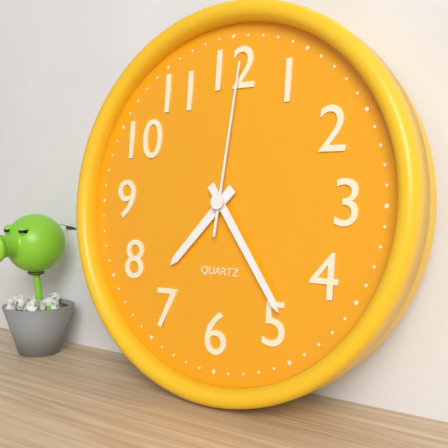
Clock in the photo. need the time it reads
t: 7:24:01
